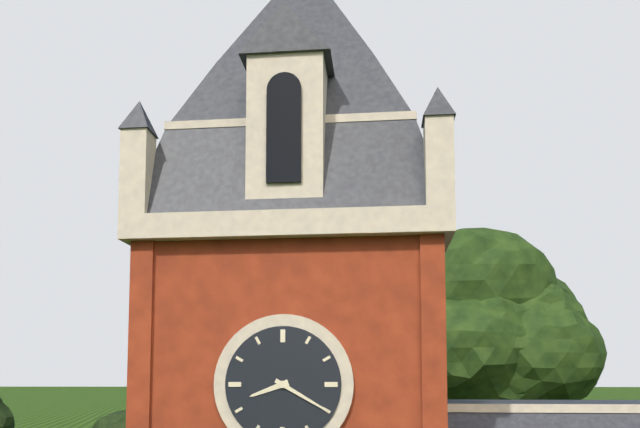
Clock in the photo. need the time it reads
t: 8:20
